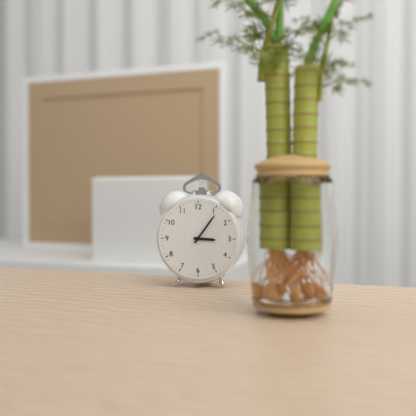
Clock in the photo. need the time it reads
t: 3:06
